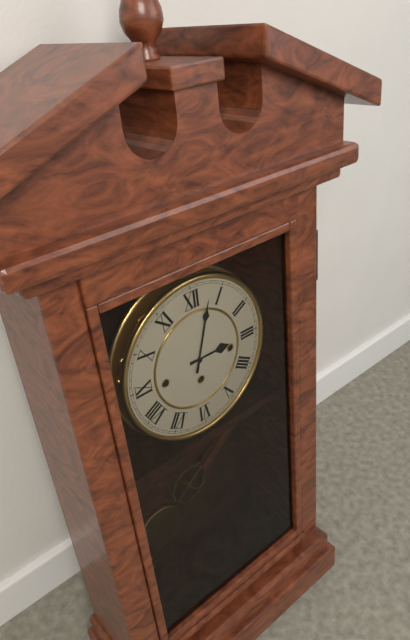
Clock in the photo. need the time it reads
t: 3:03
